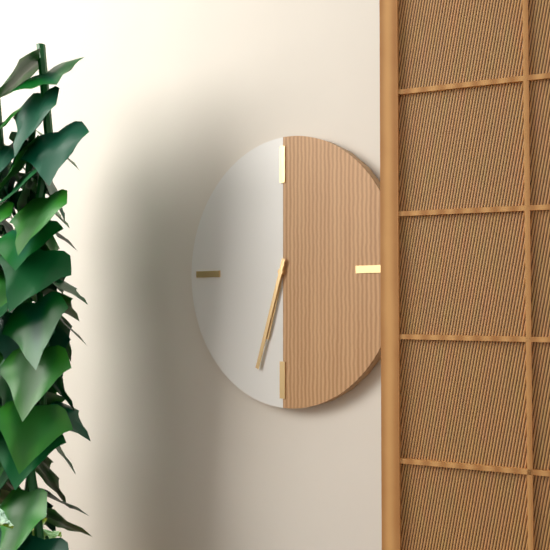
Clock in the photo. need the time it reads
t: 6:33
